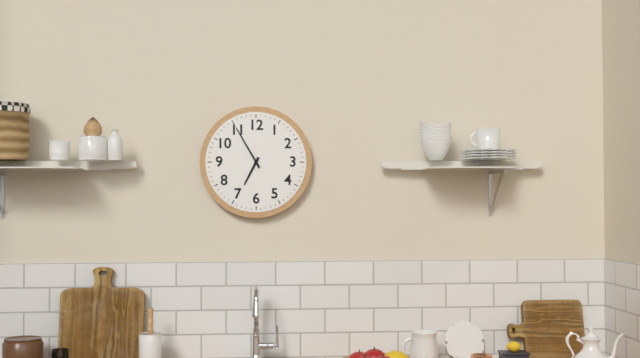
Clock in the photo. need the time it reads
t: 6:55
